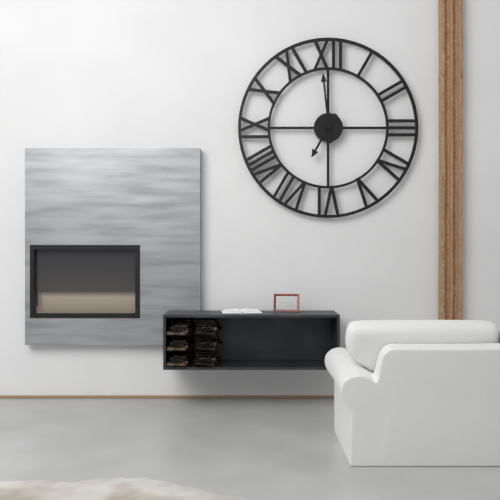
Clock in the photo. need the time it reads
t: 6:59
